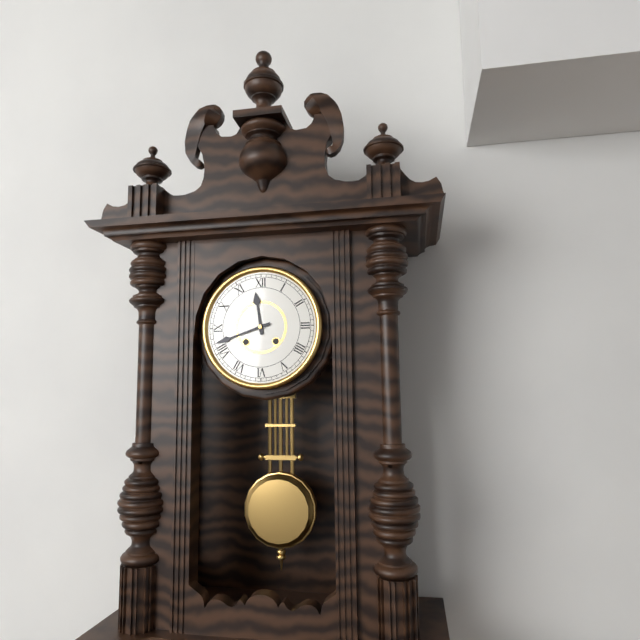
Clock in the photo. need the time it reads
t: 11:42
